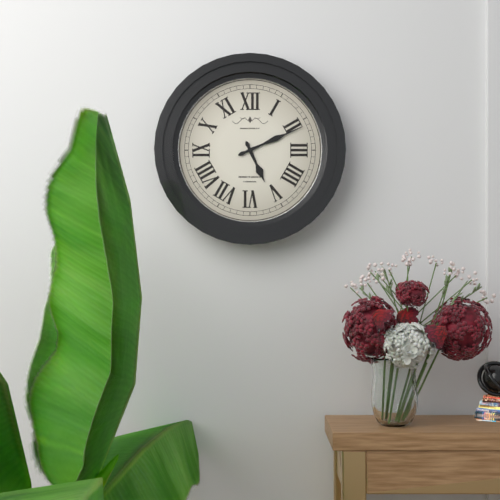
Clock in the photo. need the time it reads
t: 5:11
